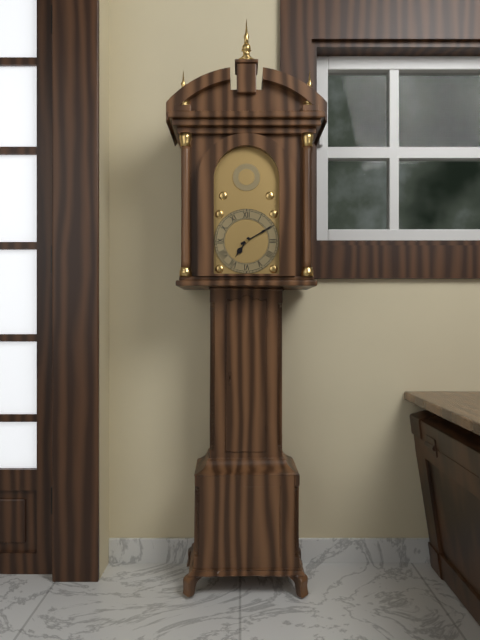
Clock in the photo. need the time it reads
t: 7:10
